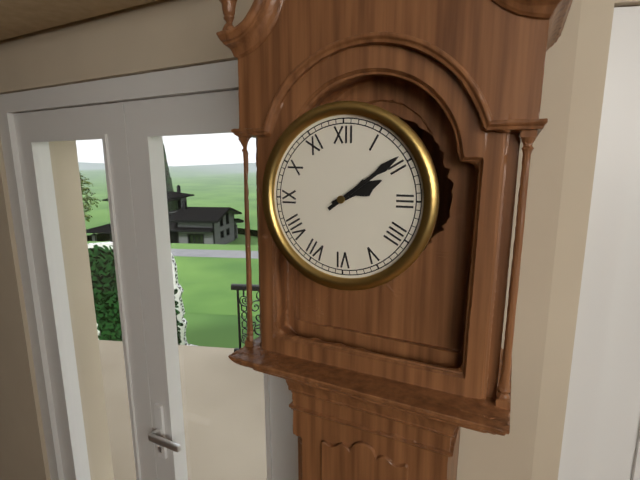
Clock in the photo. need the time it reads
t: 2:09
